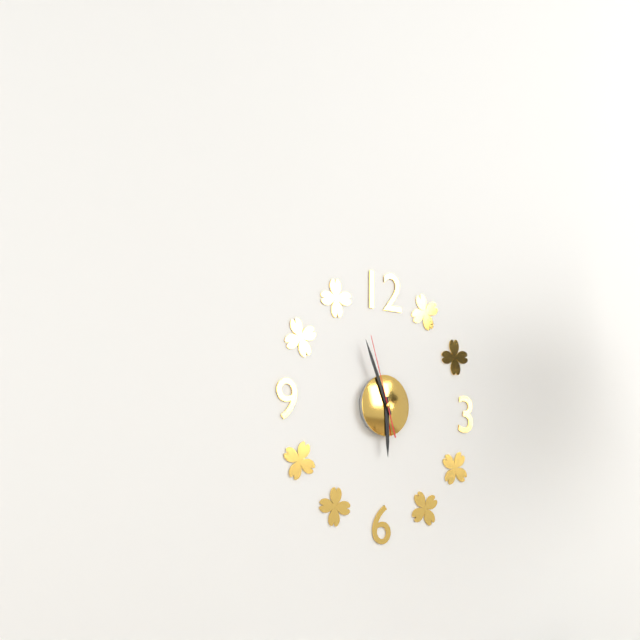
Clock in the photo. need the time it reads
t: 5:56:57
